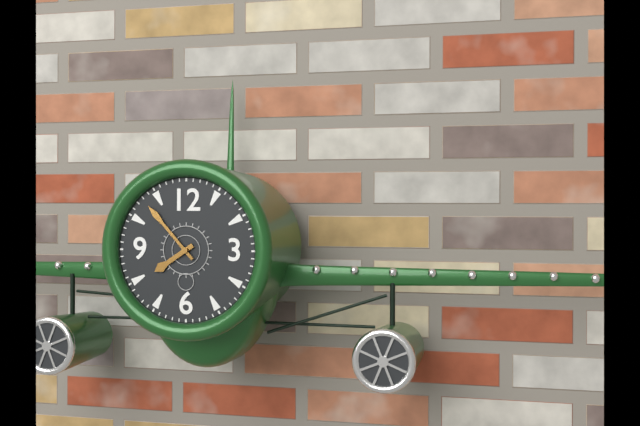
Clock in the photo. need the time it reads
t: 7:53
